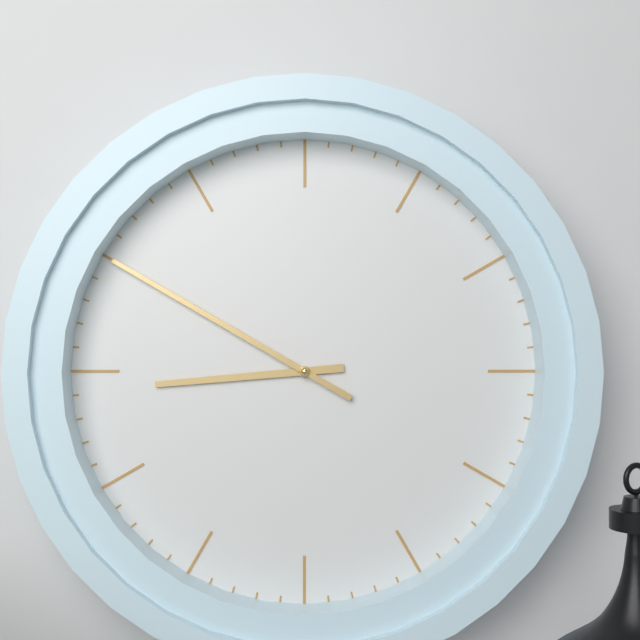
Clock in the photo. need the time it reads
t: 8:50
